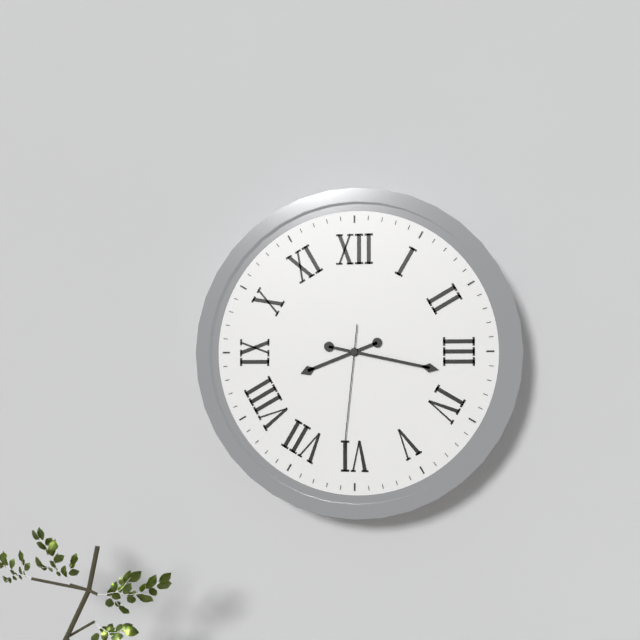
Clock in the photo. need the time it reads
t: 8:17:31
